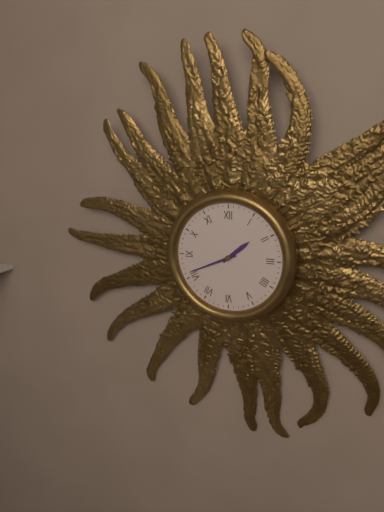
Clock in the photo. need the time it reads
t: 1:41
